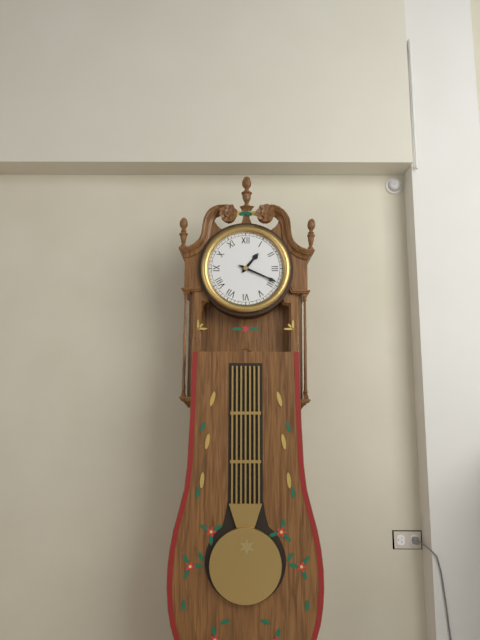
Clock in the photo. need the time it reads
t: 1:19
